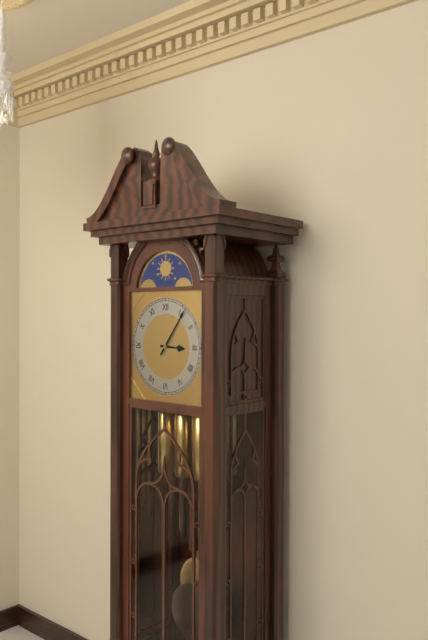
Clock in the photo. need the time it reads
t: 3:06
